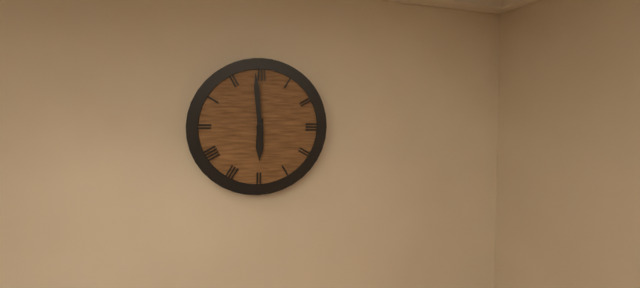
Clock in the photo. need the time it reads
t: 5:59
